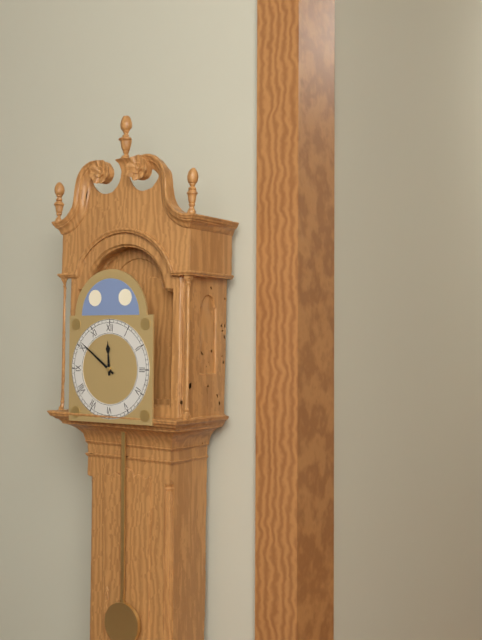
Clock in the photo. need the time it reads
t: 11:51
